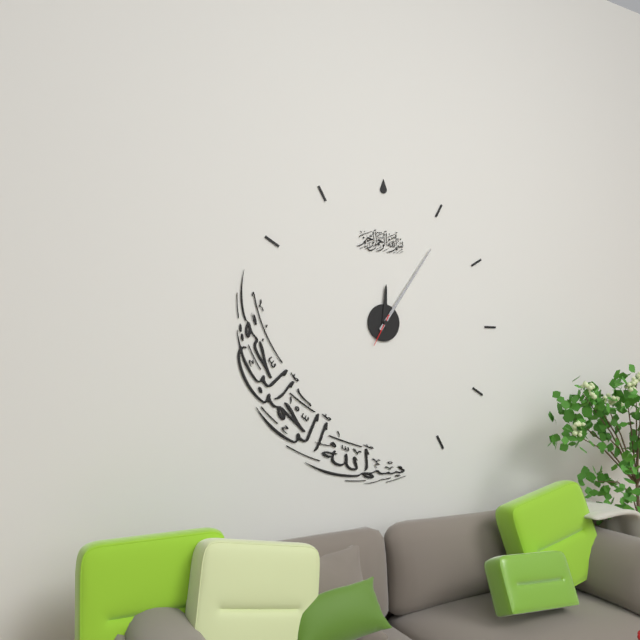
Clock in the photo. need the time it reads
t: 12:06
